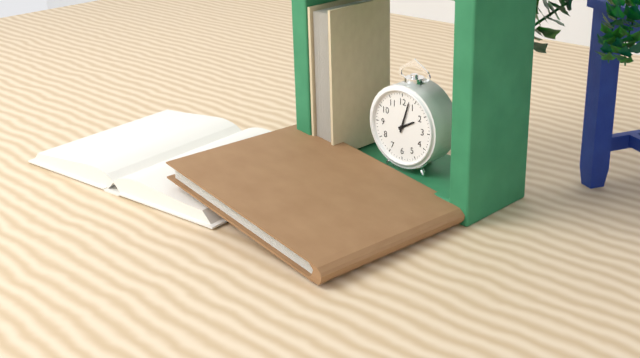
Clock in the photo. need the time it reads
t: 2:03
